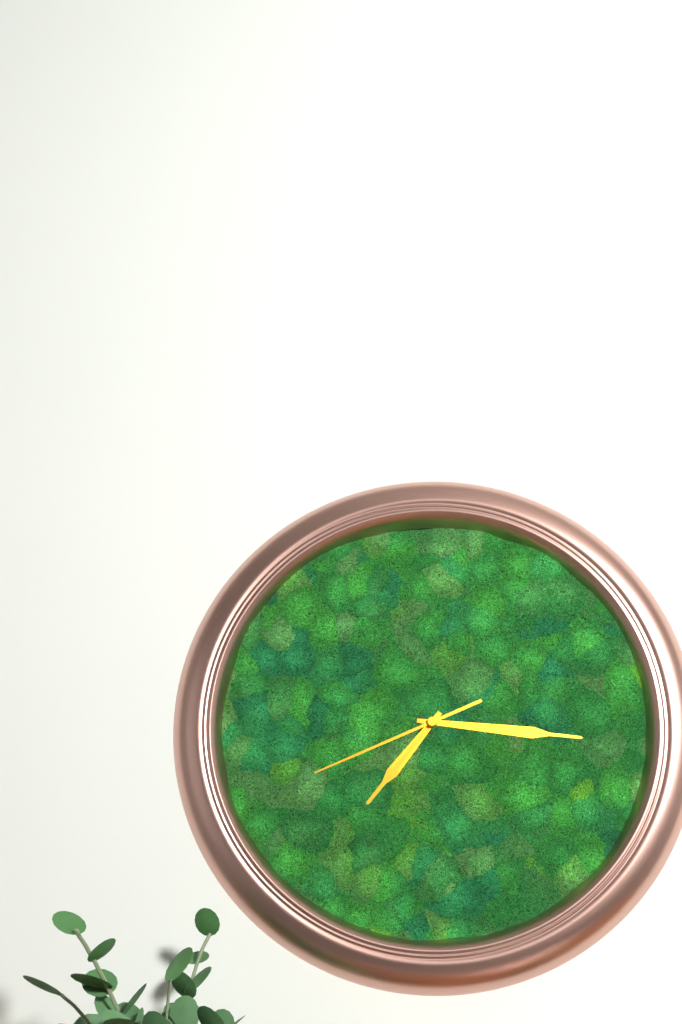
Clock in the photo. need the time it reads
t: 7:16:41
